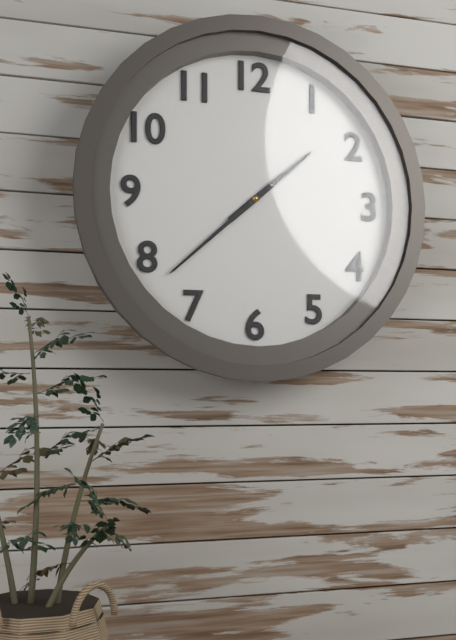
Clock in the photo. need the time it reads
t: 1:38
